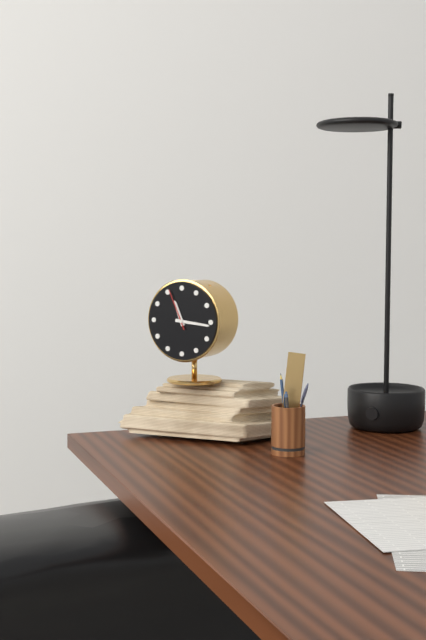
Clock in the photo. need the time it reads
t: 11:16
